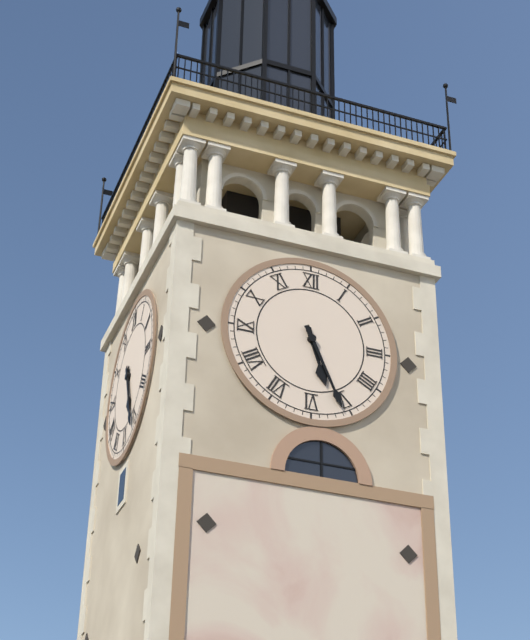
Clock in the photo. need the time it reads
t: 5:26
